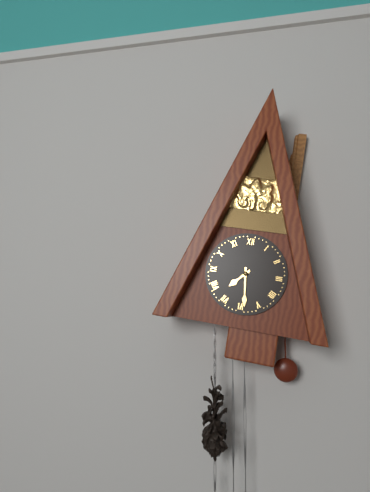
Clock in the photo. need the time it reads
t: 7:29
